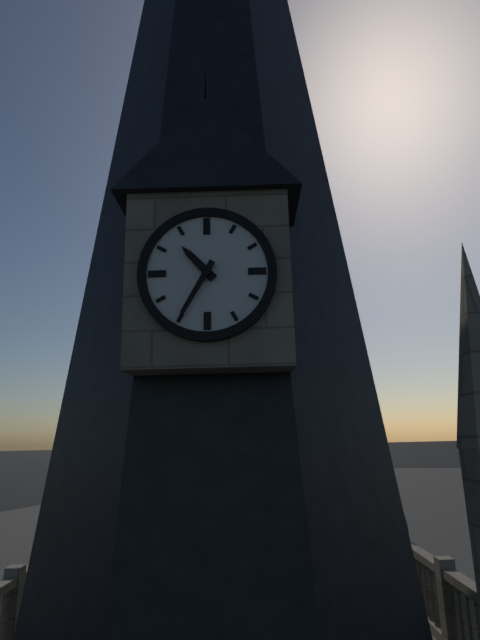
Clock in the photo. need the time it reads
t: 10:35
